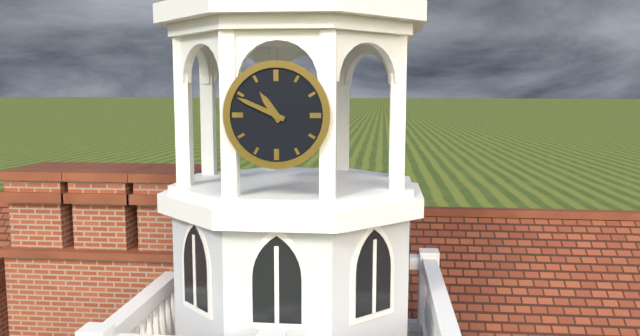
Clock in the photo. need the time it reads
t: 10:49
